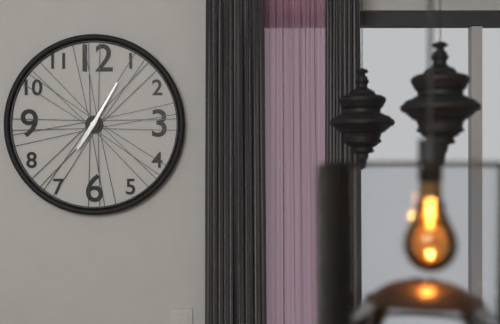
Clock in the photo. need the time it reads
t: 7:05
